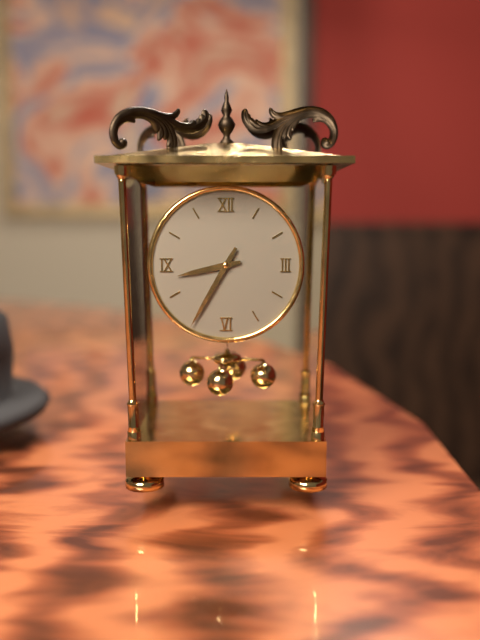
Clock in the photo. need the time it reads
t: 8:35
